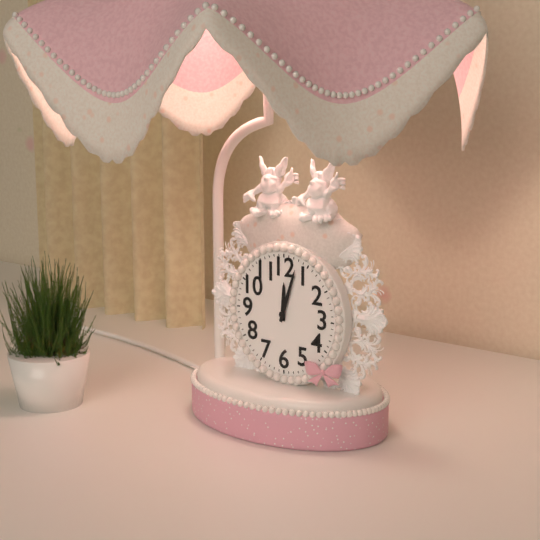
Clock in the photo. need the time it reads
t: 12:03
